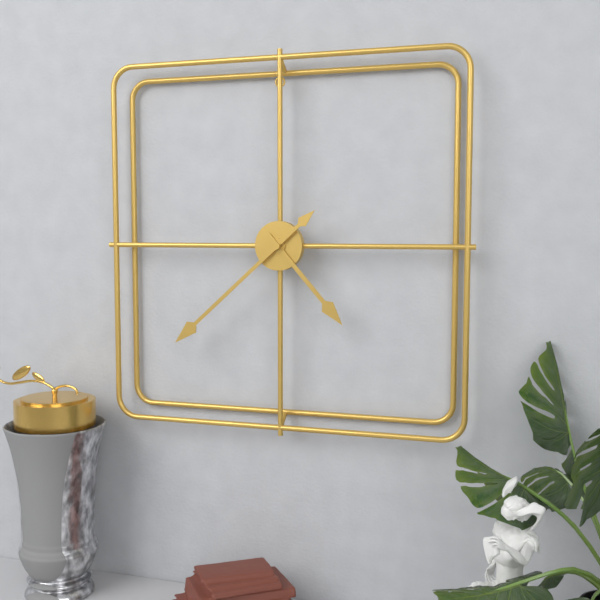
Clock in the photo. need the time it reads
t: 4:38
